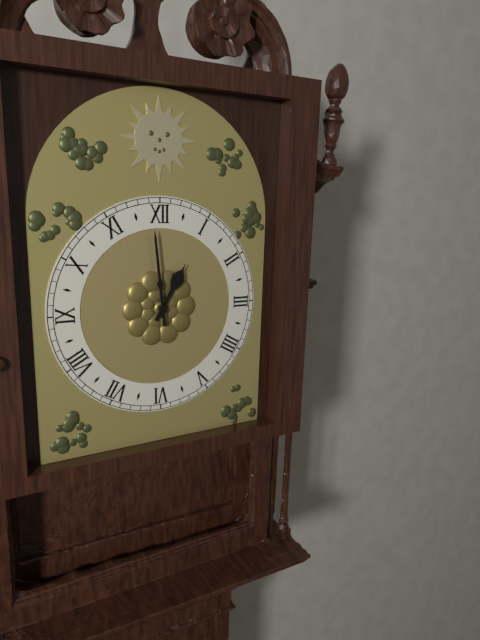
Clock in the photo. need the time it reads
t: 12:59
